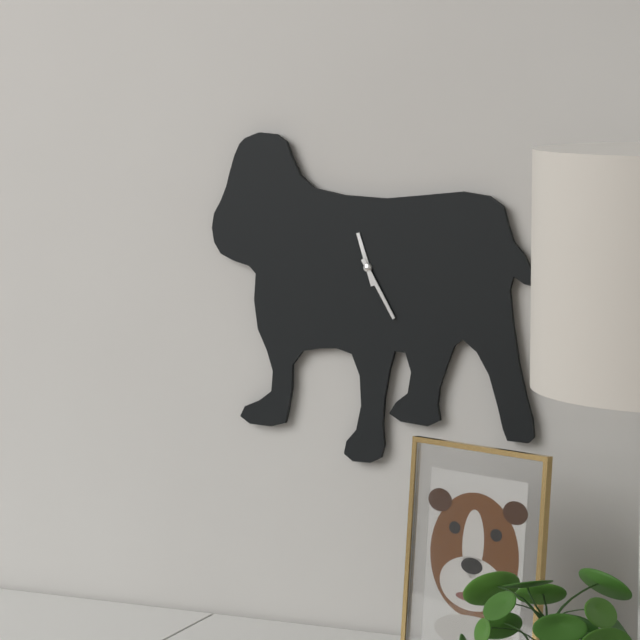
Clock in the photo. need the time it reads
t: 11:25
